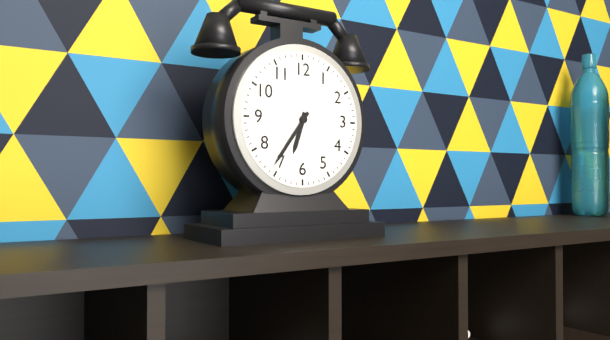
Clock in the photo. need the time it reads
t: 6:36
